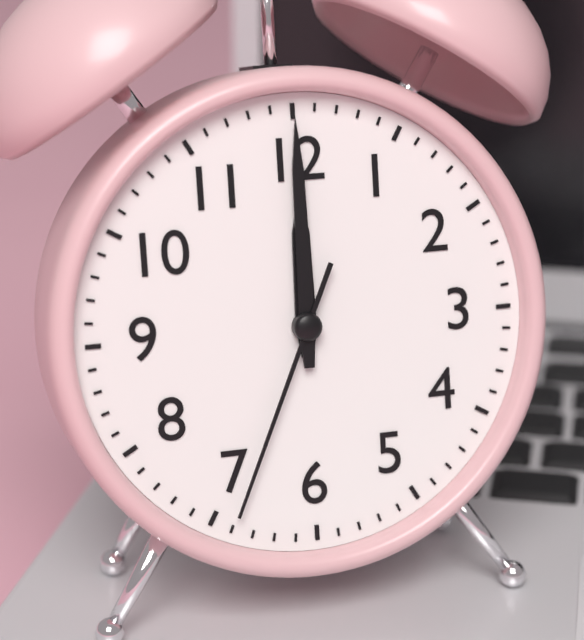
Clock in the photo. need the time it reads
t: 12:00:34
